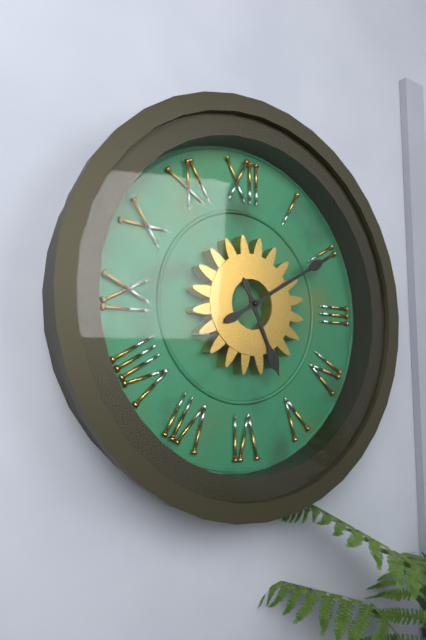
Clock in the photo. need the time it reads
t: 5:10
